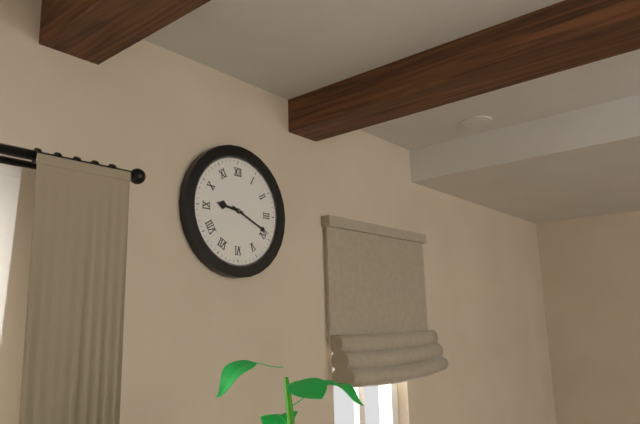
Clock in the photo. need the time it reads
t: 9:19
